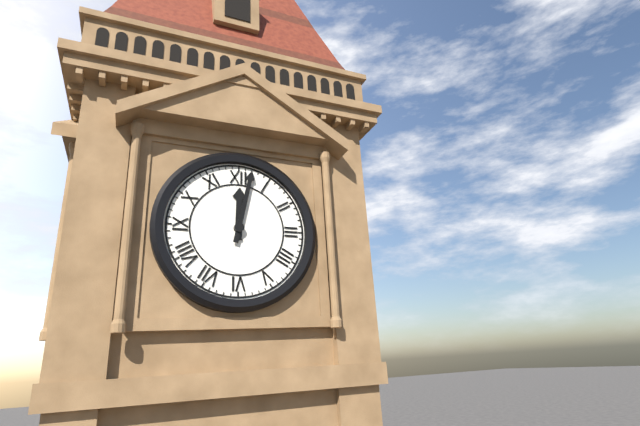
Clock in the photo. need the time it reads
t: 12:02
